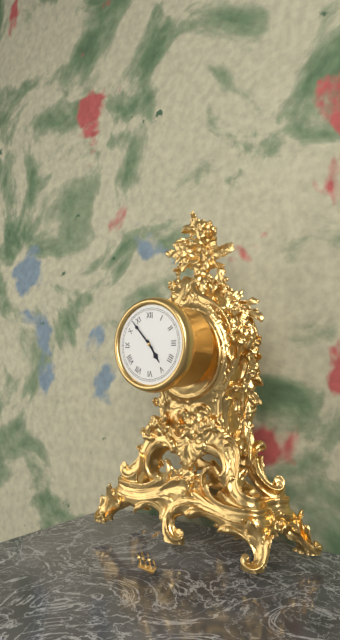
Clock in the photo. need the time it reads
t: 4:53
